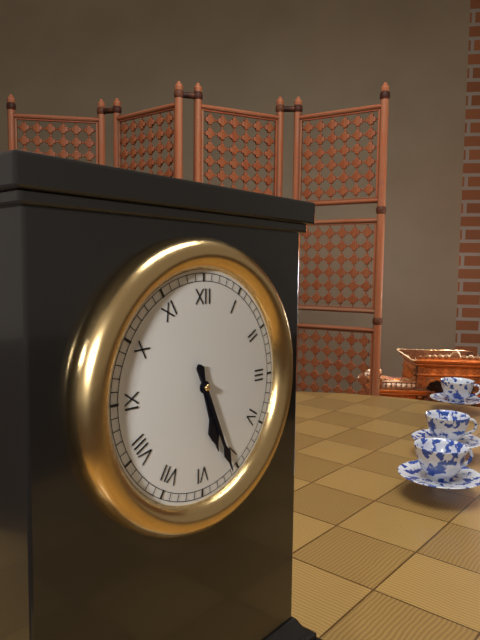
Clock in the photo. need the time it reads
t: 5:26
